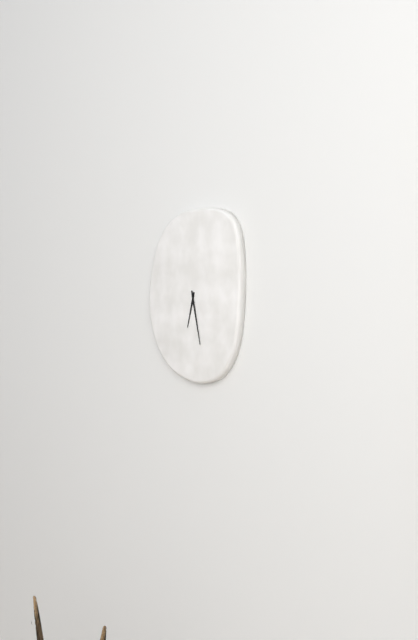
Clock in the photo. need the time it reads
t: 6:28
